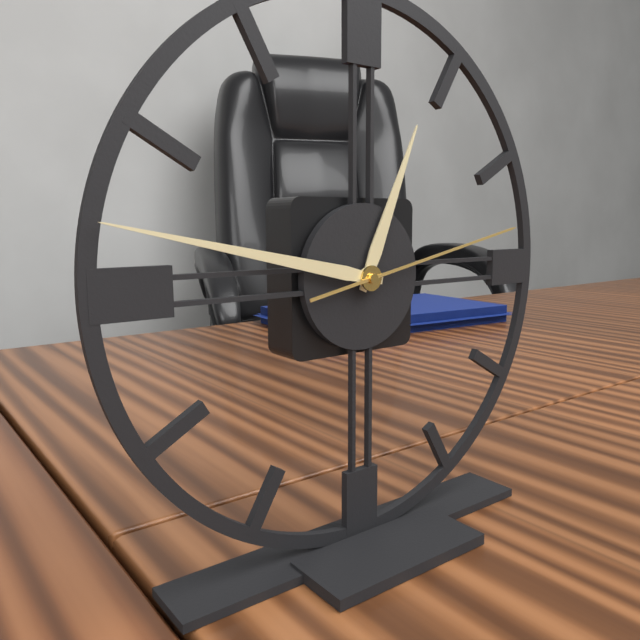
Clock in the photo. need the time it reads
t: 12:47:13
